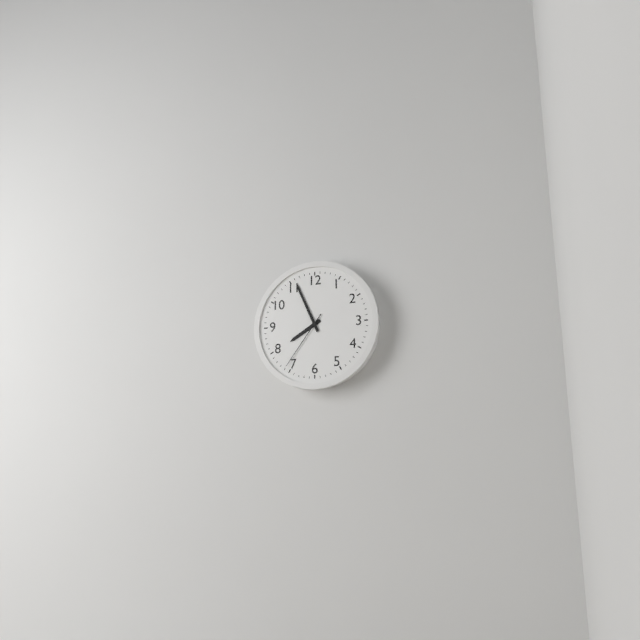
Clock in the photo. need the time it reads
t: 7:56:36
